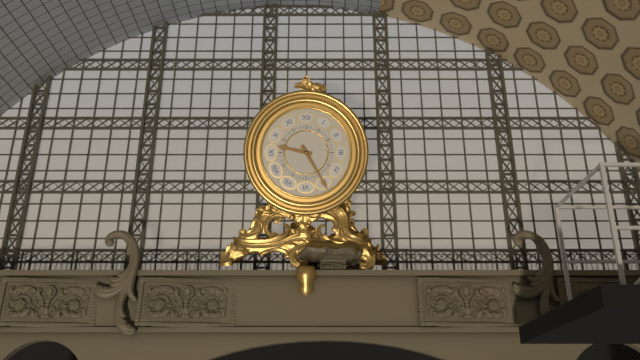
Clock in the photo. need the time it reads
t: 9:25
